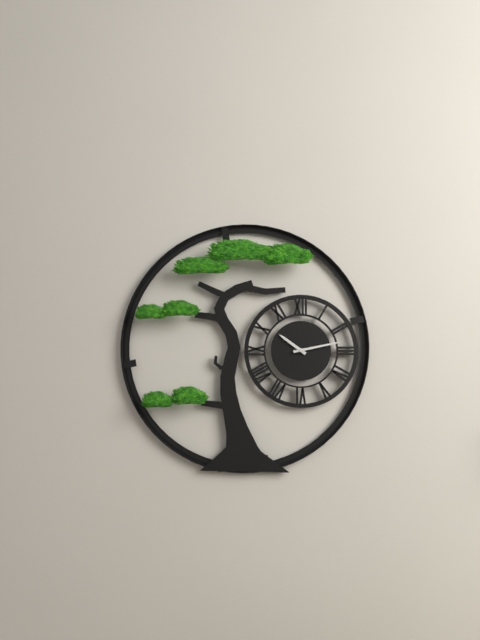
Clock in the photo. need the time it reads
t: 10:13
